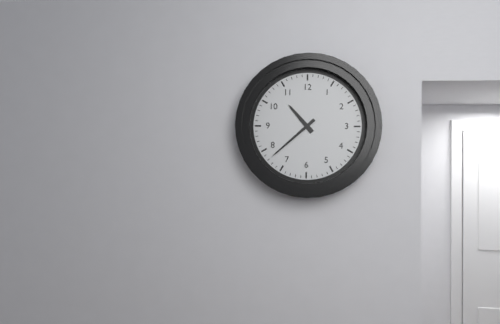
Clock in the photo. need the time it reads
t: 10:38
